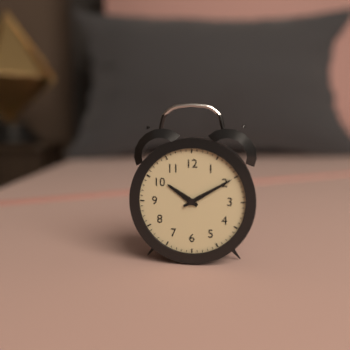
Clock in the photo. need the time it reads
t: 10:10
